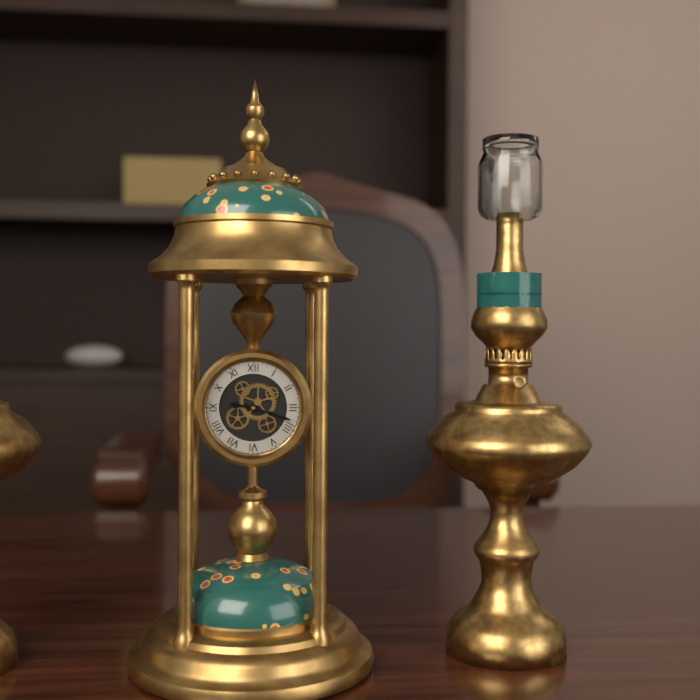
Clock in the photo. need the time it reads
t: 9:18
